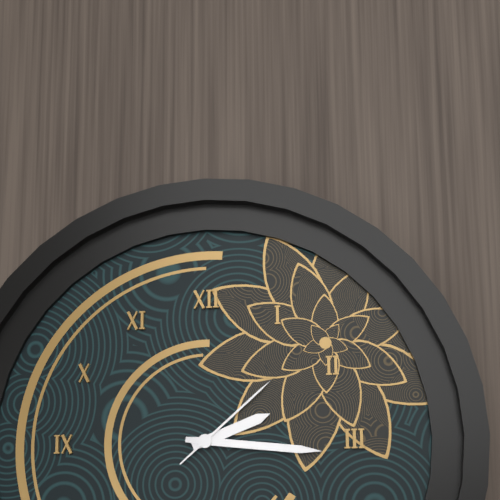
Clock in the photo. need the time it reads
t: 2:16:08
